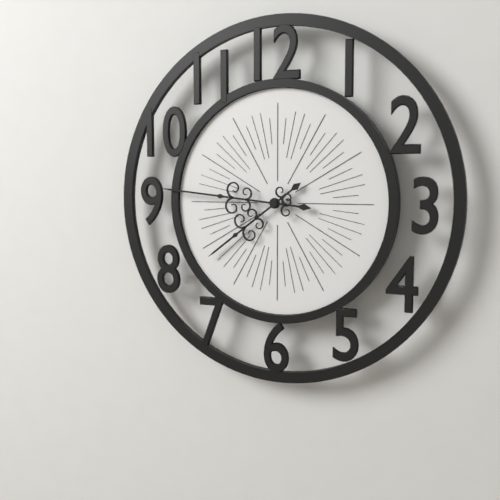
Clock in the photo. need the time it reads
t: 7:46
